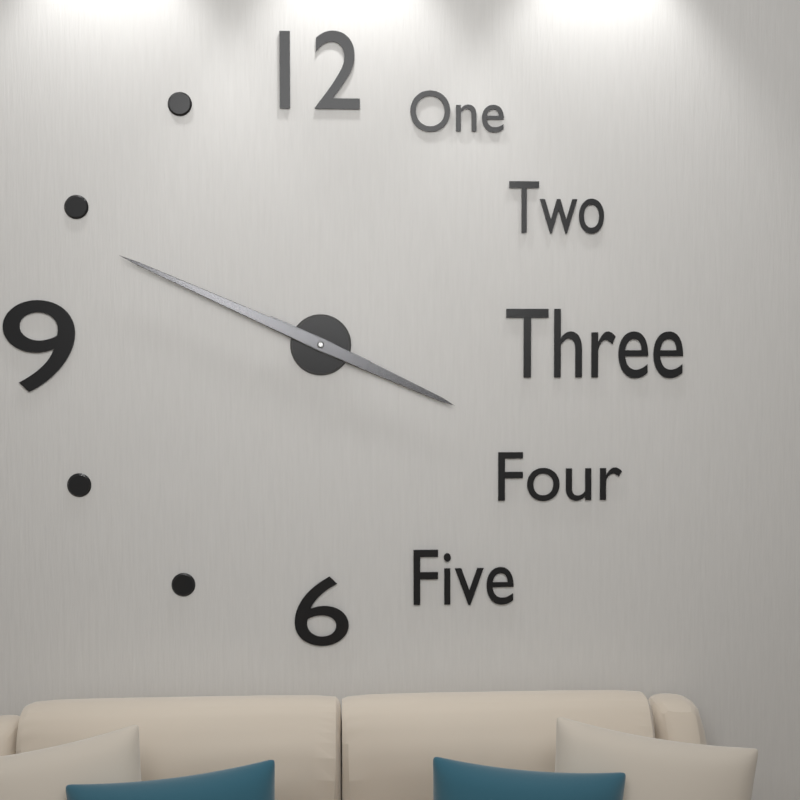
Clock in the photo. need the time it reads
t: 3:49
